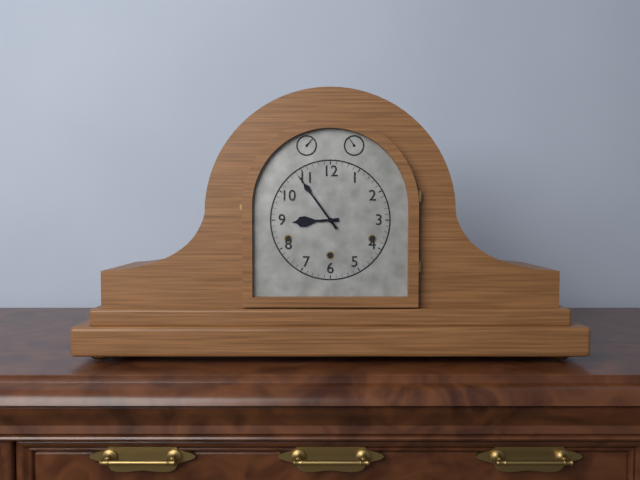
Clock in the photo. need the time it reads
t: 8:54
